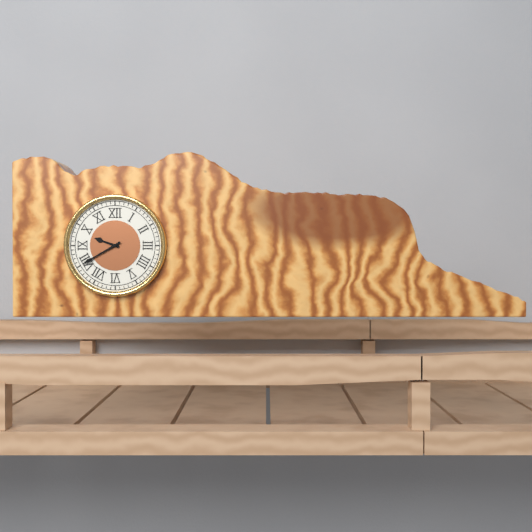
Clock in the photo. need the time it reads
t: 9:40
